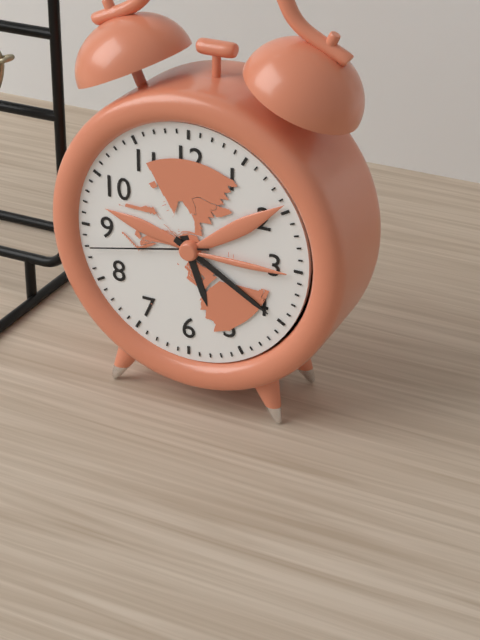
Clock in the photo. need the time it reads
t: 5:20:43
